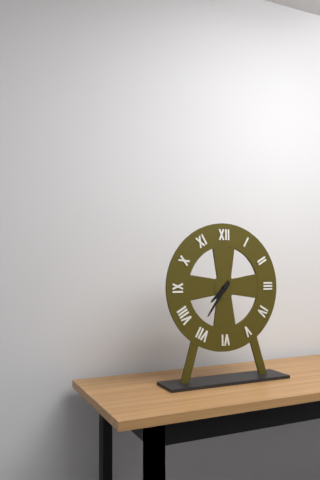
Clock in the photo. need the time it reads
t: 7:36
